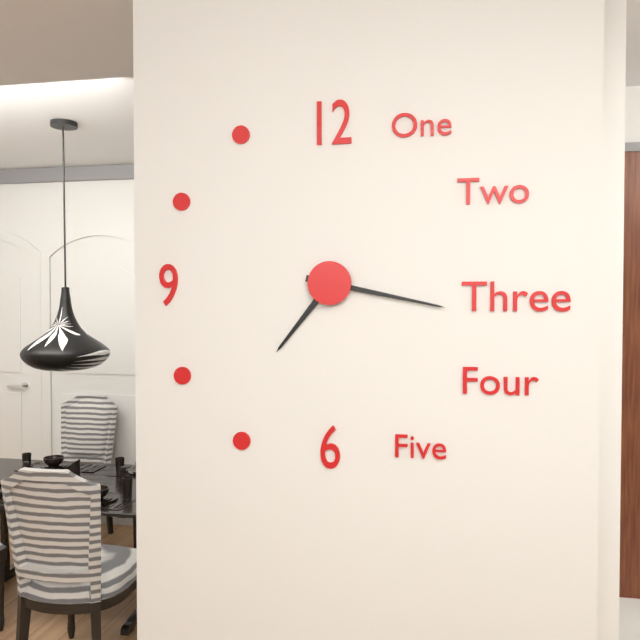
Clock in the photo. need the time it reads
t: 7:17
